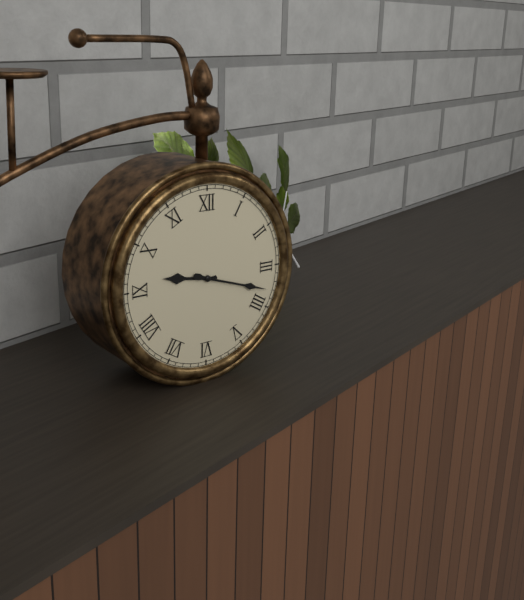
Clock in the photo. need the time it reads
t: 9:18
